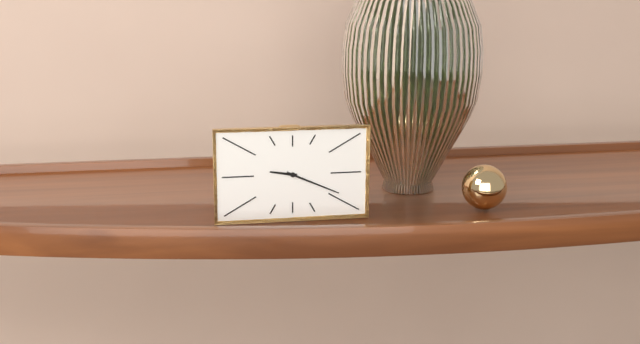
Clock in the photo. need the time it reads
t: 9:19
